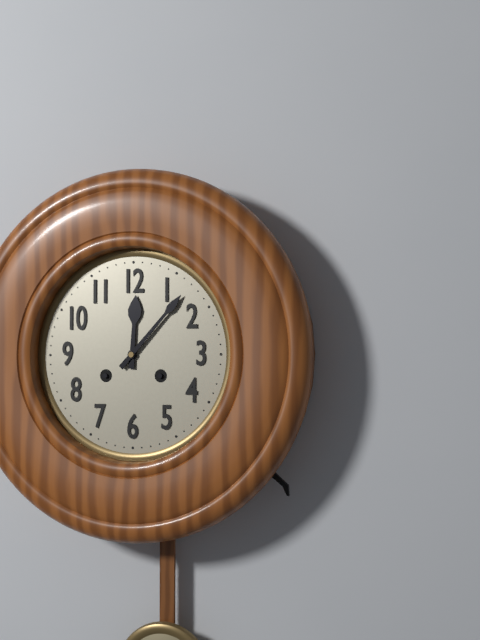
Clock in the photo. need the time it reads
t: 12:07
